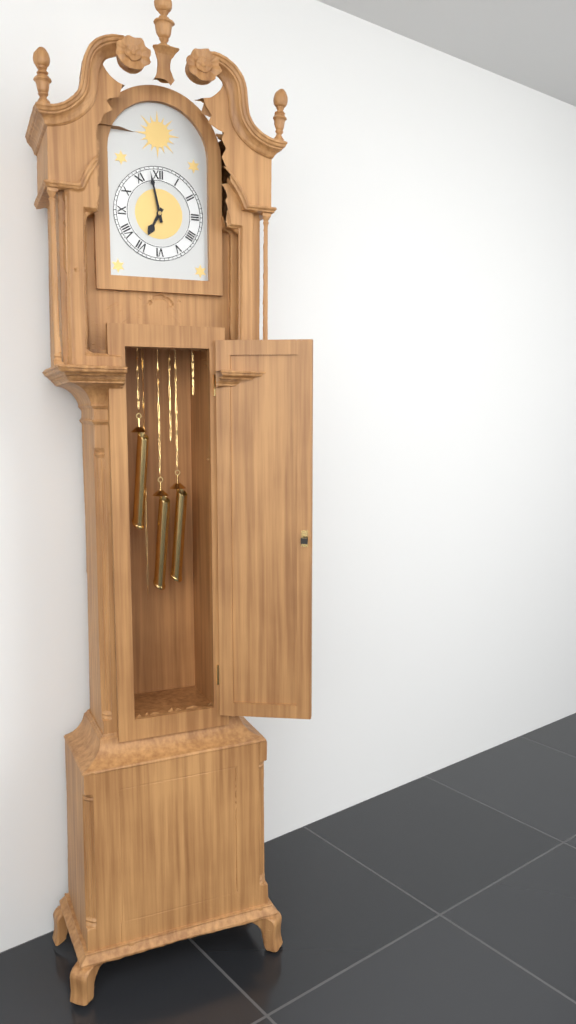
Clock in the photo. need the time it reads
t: 6:58
